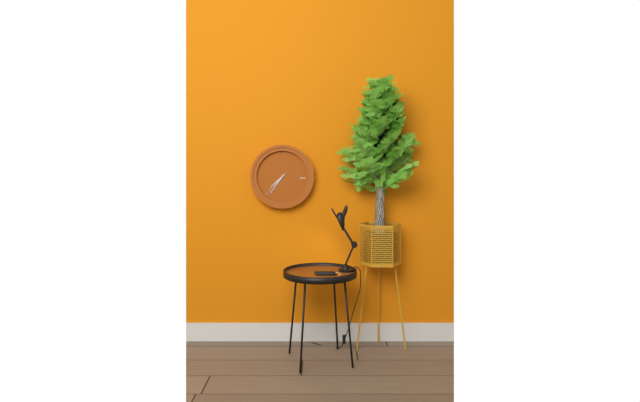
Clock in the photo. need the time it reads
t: 7:36
